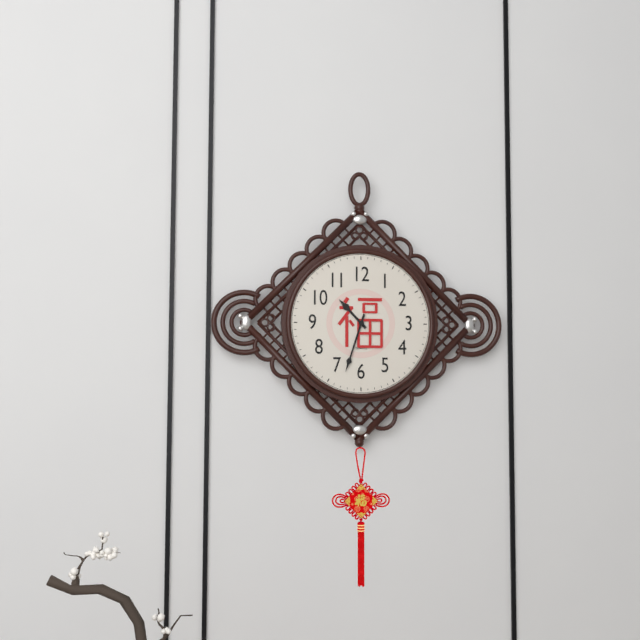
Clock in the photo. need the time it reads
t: 10:33
